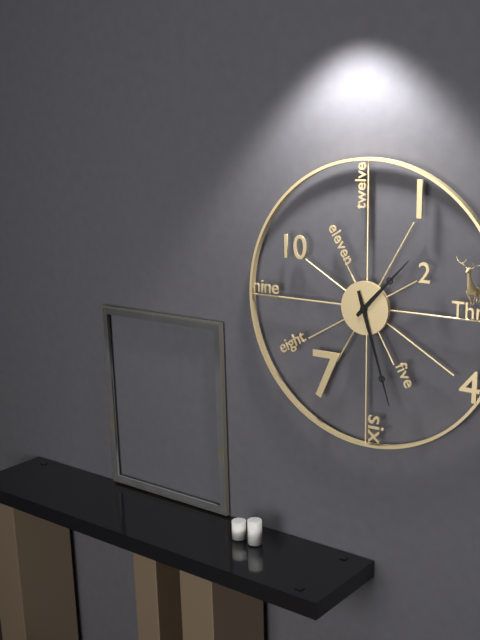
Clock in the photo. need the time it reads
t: 1:27
